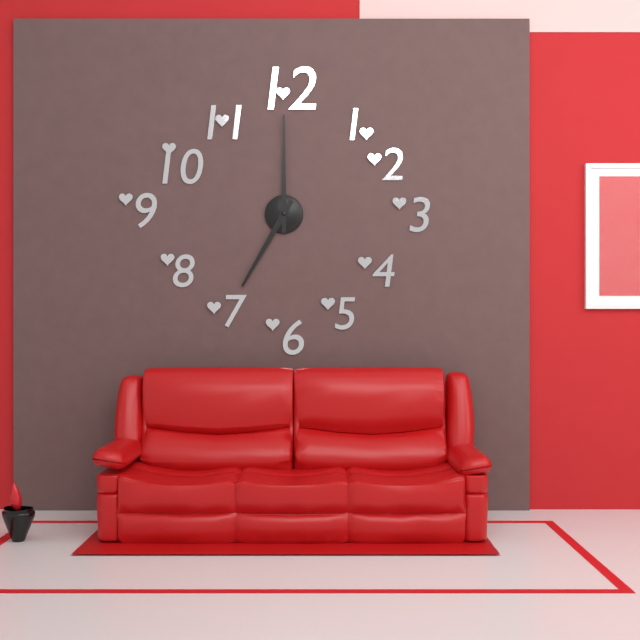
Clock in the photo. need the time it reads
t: 7:00
